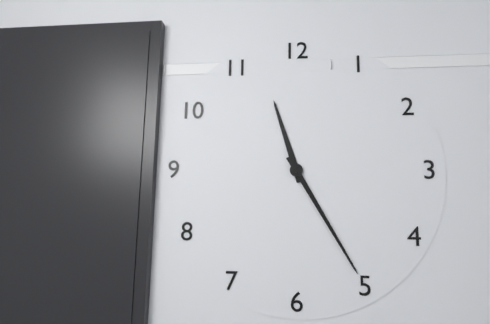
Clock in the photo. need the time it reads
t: 11:25
